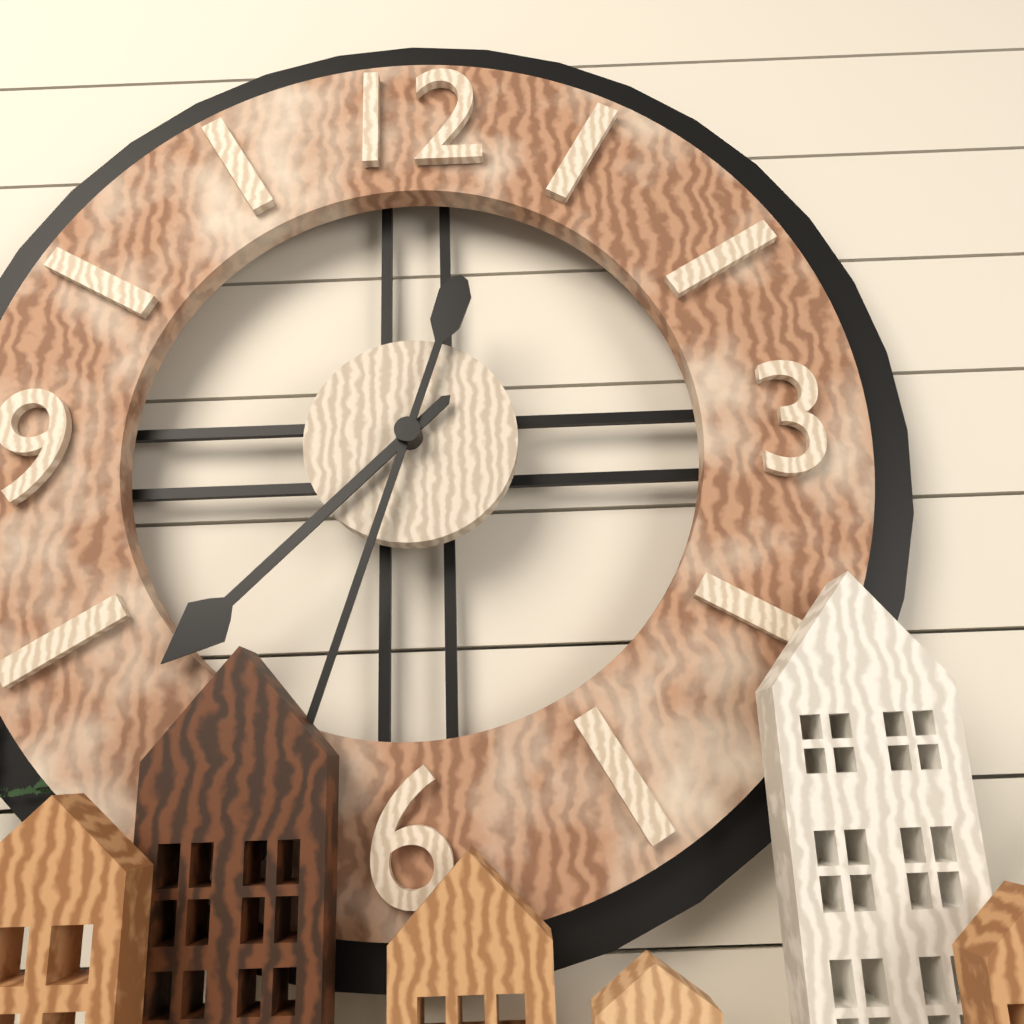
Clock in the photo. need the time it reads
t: 7:33
